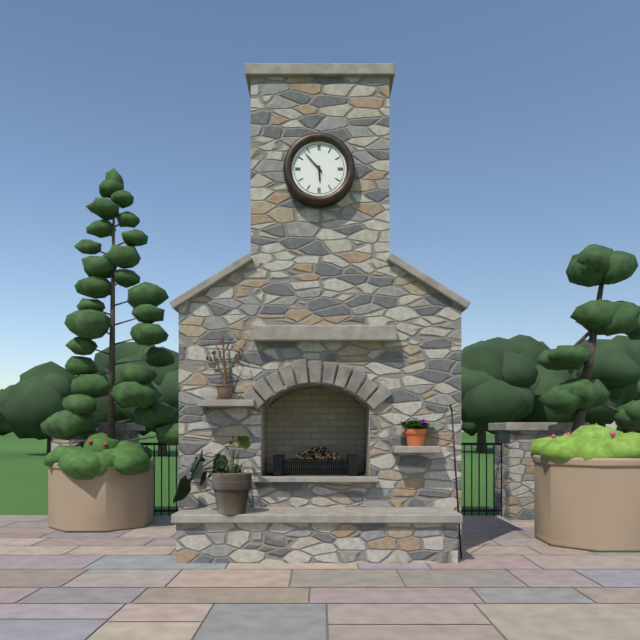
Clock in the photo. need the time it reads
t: 5:53
